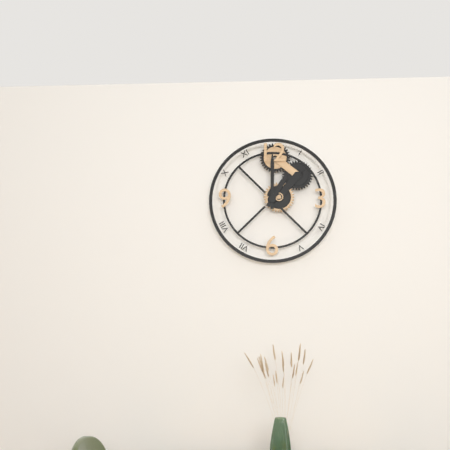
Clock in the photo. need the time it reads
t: 1:00
